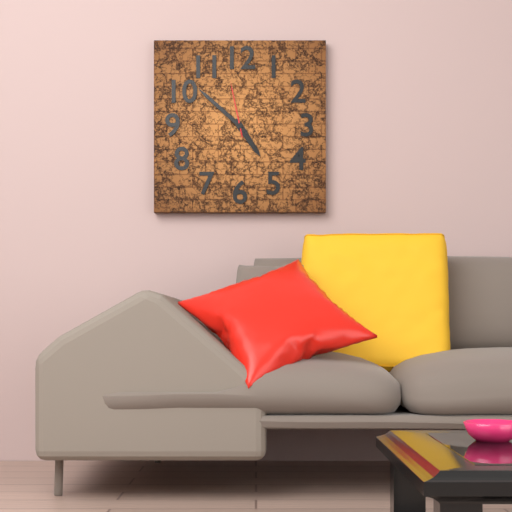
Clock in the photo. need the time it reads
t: 4:52:58
